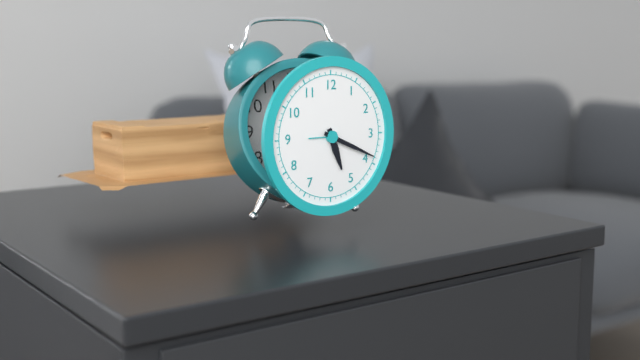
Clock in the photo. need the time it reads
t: 5:19
